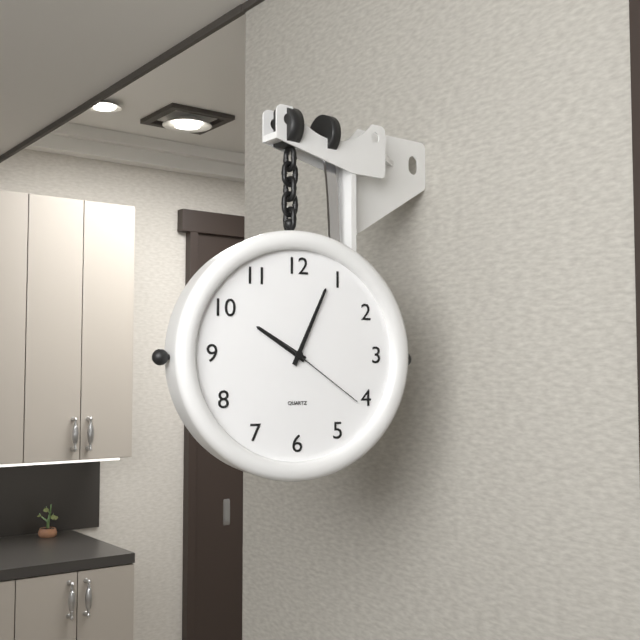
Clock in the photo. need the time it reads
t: 10:04:21
